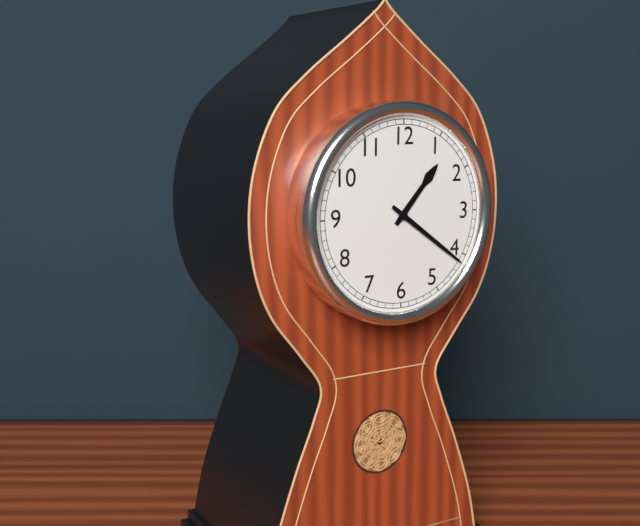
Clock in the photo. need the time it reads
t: 1:21
